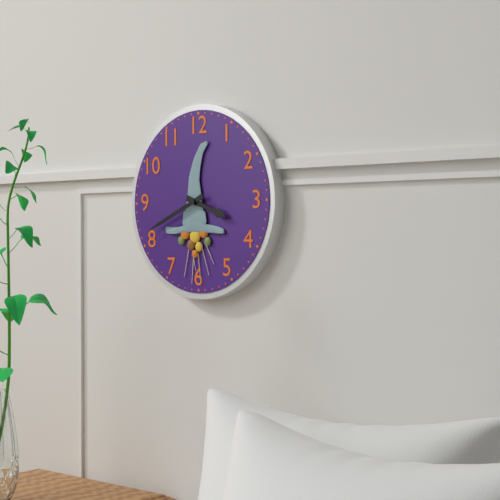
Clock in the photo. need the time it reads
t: 3:41
